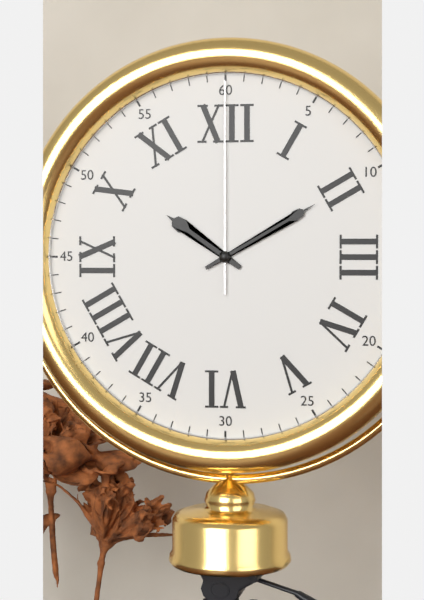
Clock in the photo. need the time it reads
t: 10:10:00
